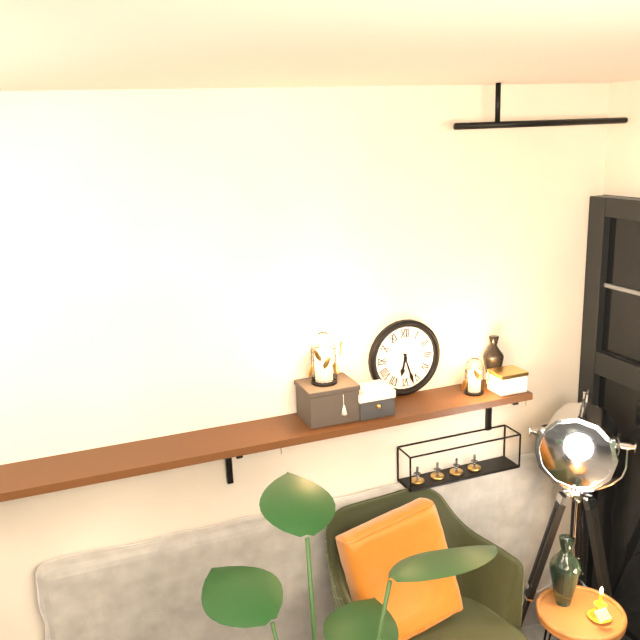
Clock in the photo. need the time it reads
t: 6:27
